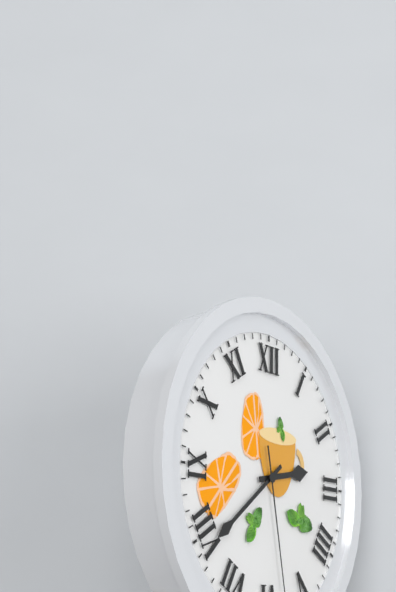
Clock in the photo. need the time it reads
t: 2:39
